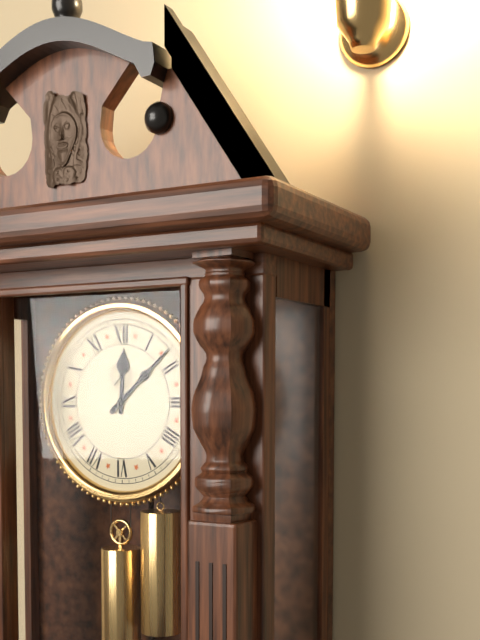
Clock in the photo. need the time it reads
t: 12:08
